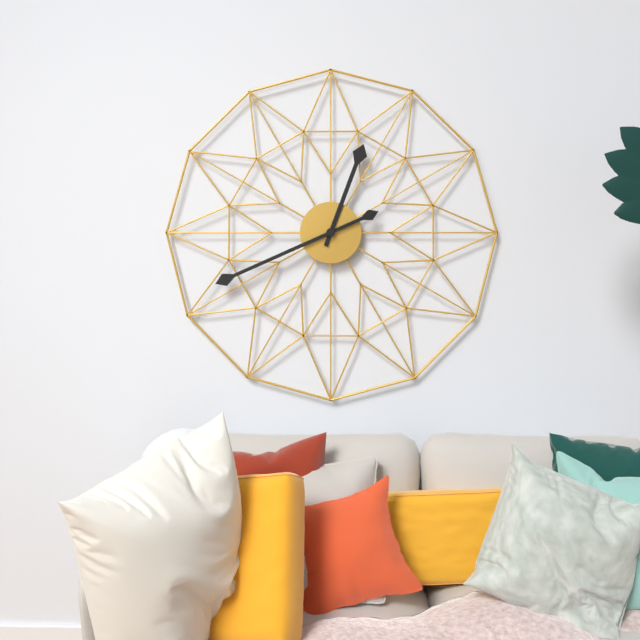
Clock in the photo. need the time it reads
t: 12:41
